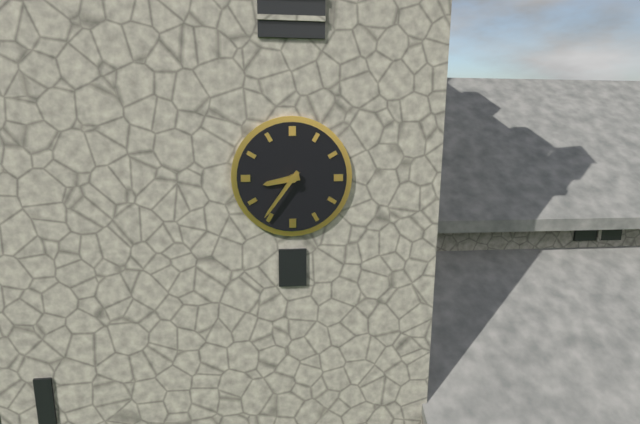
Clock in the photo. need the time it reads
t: 8:36
